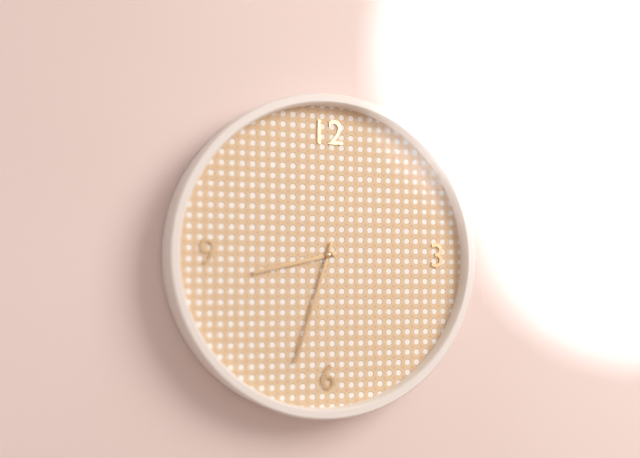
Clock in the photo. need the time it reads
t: 8:33
